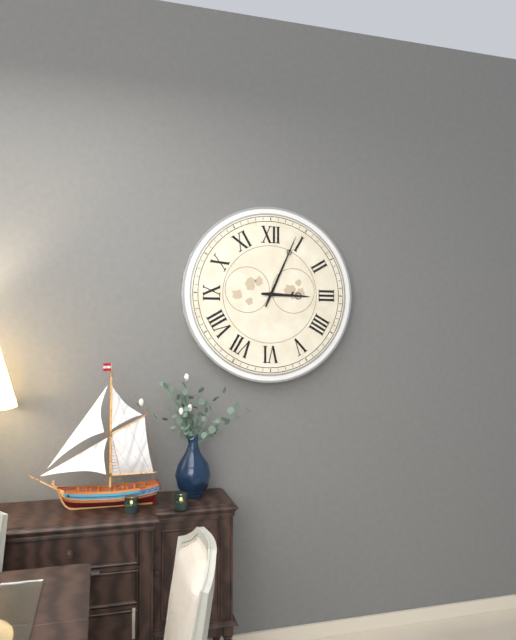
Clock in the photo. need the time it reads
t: 3:04
